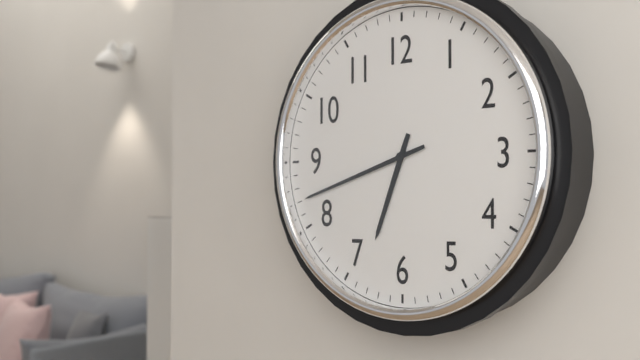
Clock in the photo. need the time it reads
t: 6:42
